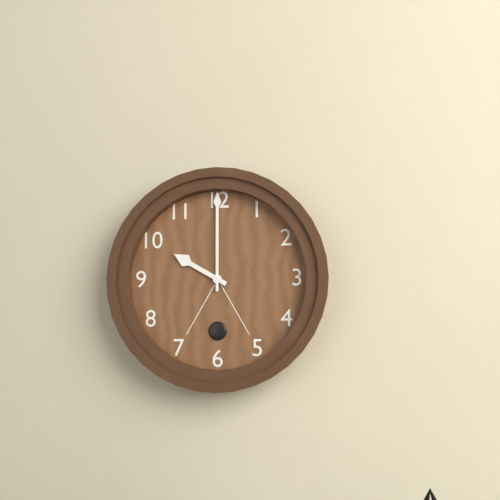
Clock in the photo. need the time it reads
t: 10:00
